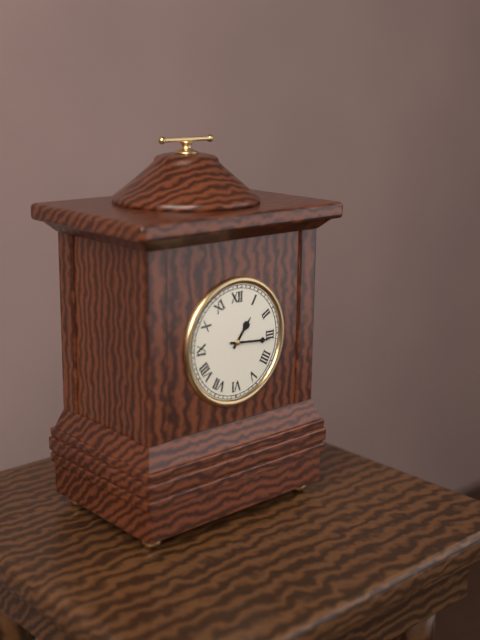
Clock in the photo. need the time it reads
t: 1:16
